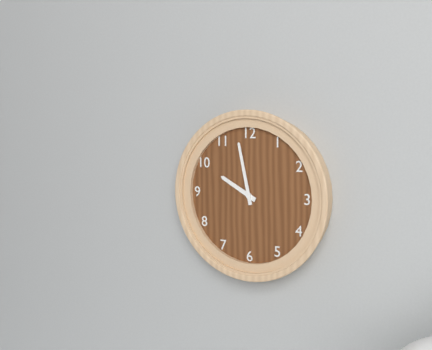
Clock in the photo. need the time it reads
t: 9:58
